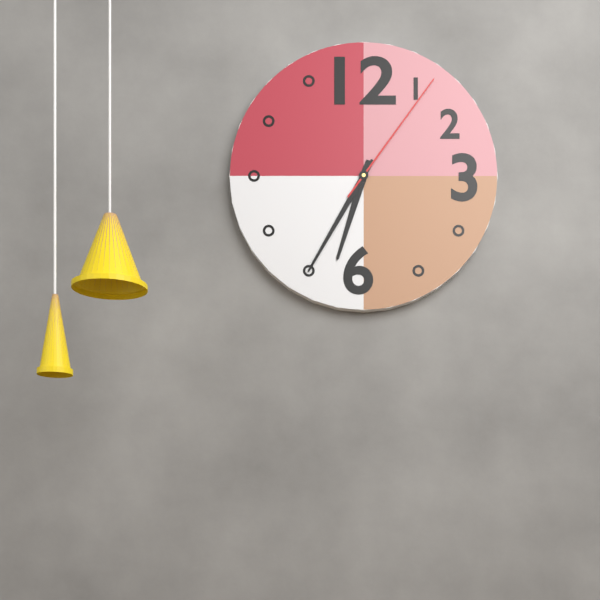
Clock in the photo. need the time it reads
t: 6:35:06
